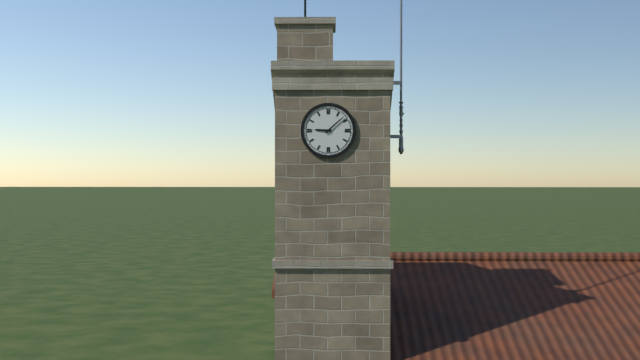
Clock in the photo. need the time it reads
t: 9:08
